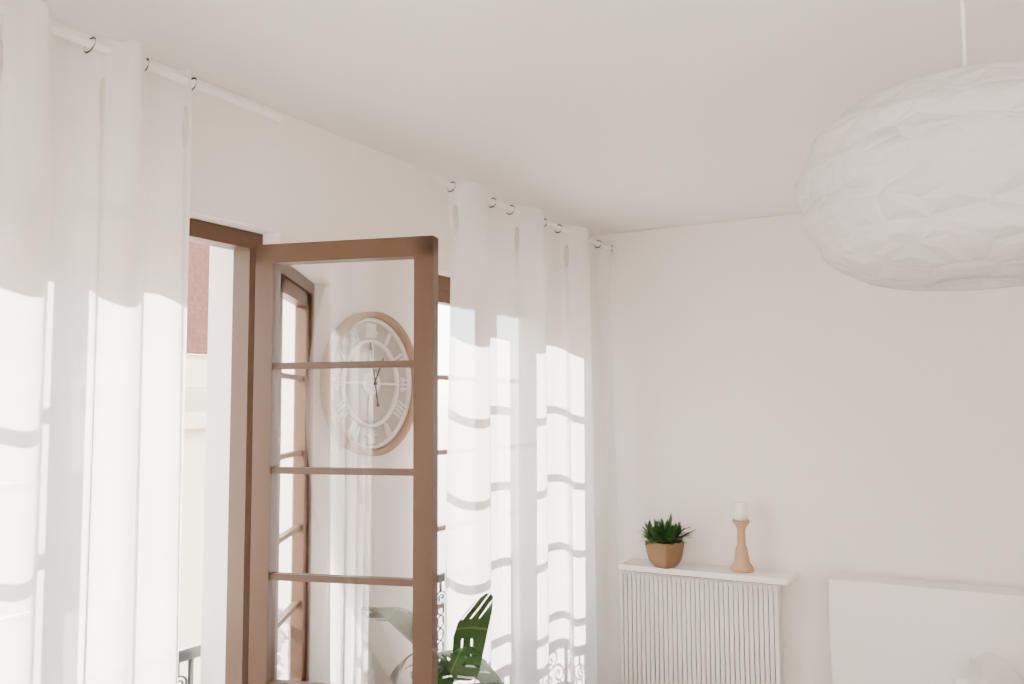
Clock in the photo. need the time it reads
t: 12:58
